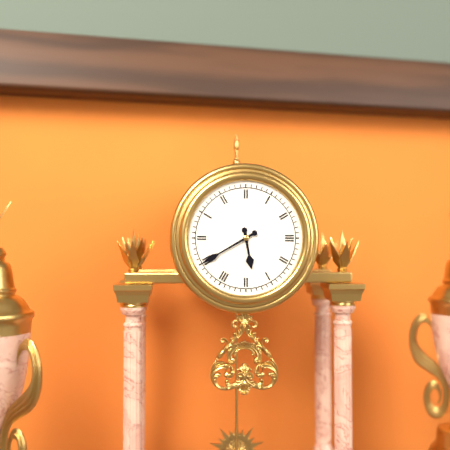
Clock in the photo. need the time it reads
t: 5:40
